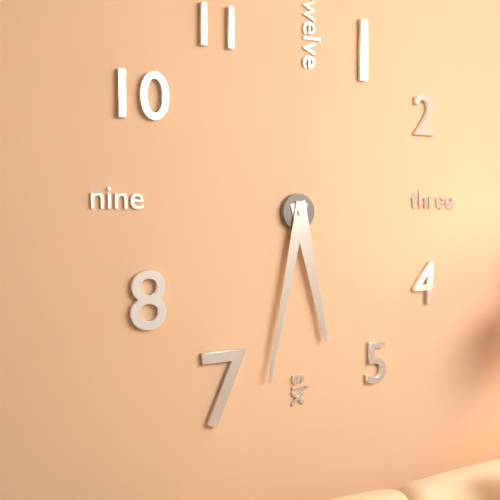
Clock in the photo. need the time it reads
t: 5:32
